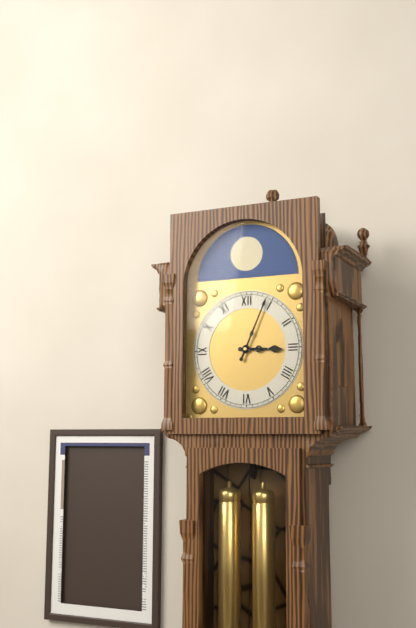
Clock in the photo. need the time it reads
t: 3:04
